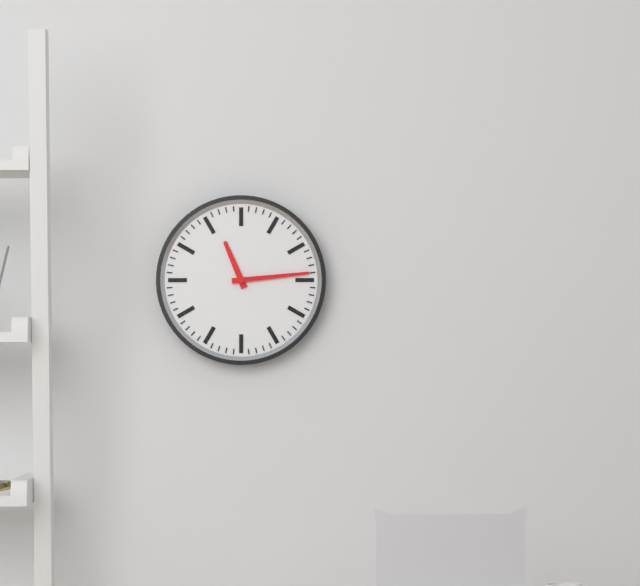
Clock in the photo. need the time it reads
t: 11:14
